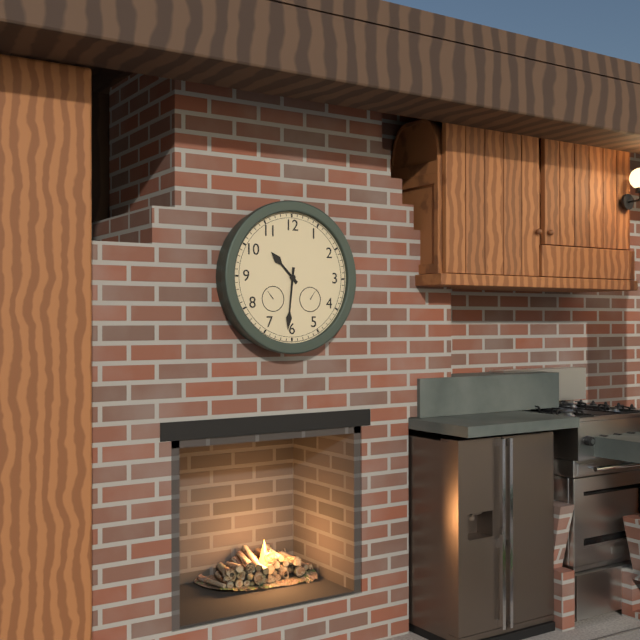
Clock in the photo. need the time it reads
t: 10:31
